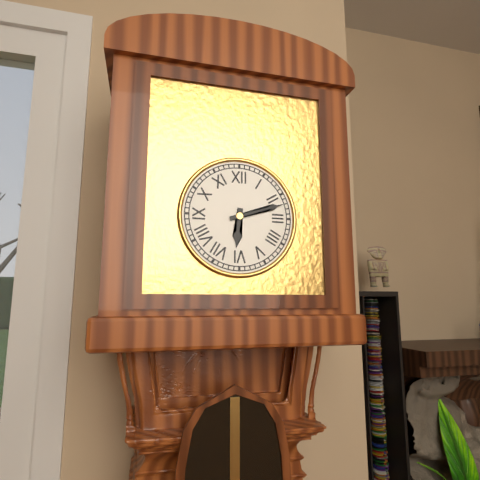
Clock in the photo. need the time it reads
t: 6:12
